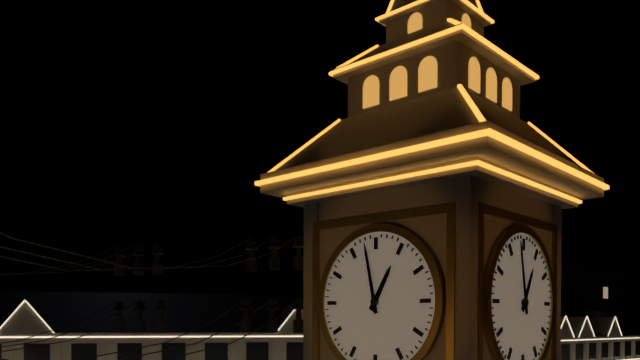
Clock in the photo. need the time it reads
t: 12:58
